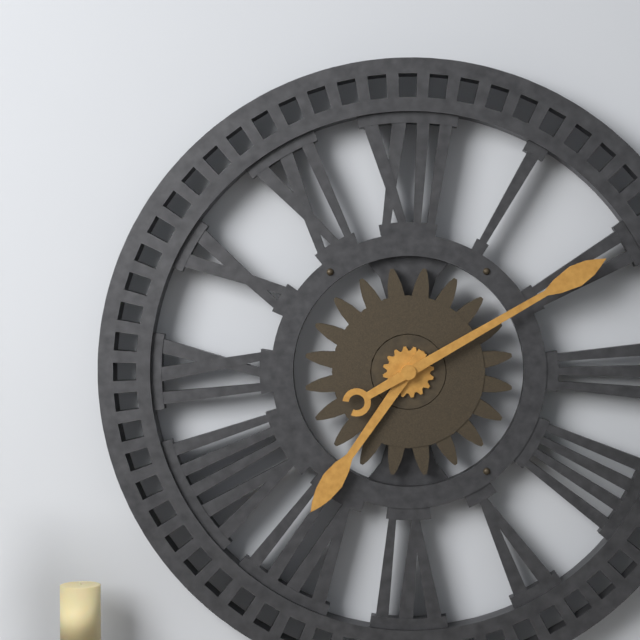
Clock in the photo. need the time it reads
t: 7:10
